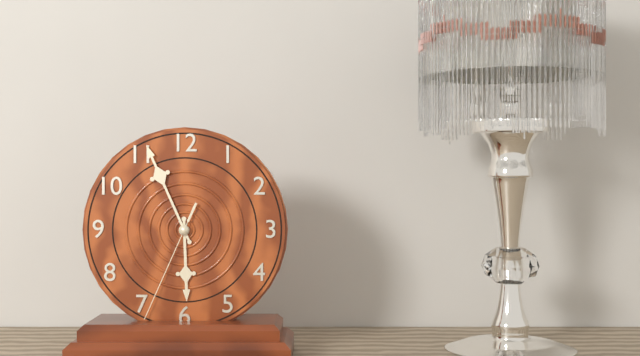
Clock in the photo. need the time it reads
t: 5:56:34
